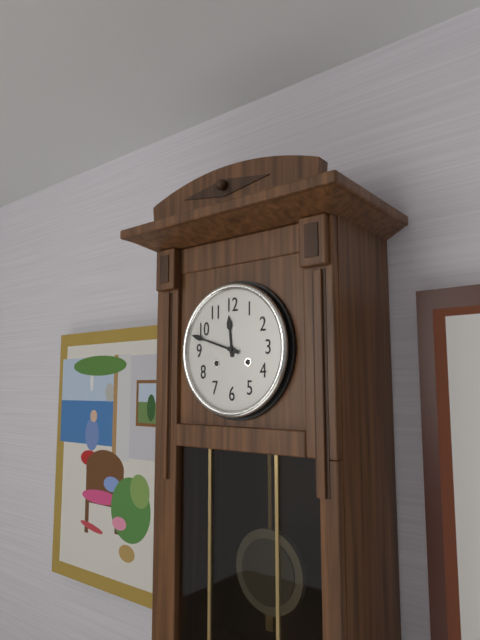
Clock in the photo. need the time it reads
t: 11:48
